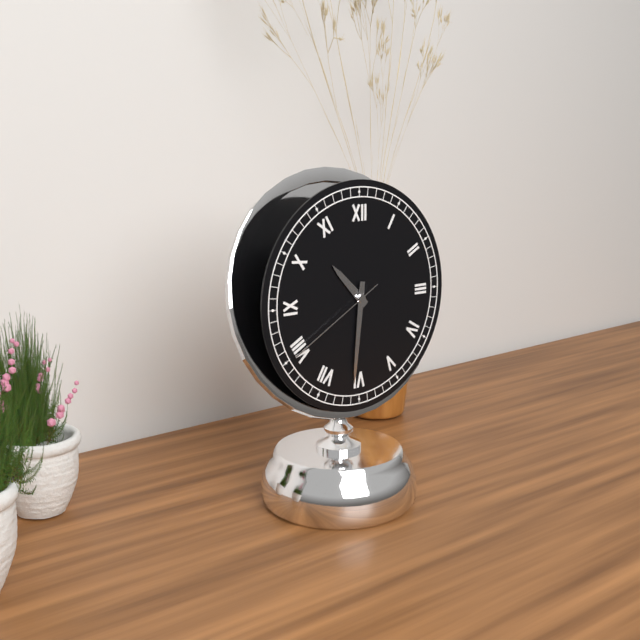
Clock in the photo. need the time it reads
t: 10:31:40
